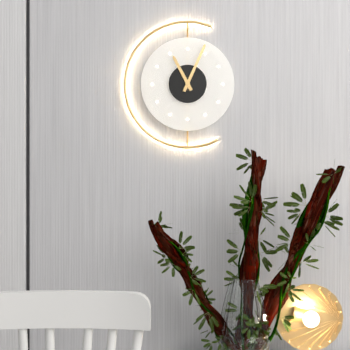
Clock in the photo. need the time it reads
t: 11:04
